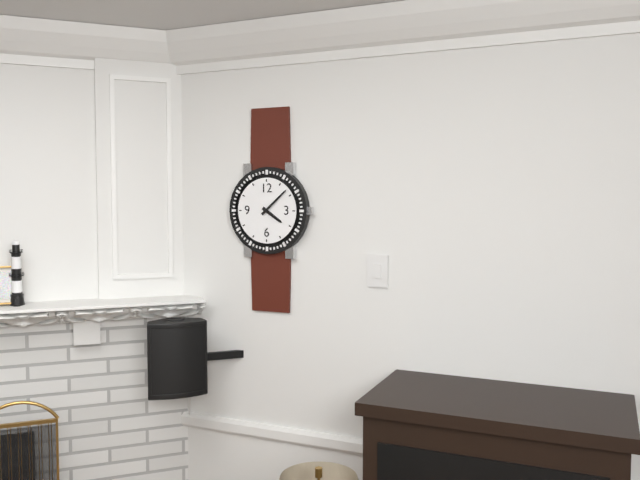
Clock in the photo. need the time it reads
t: 4:08
